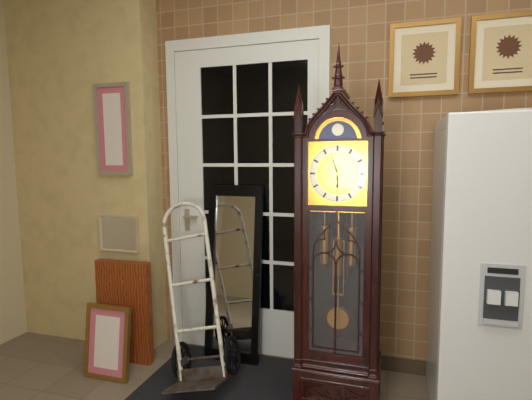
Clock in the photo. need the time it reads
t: 5:57
